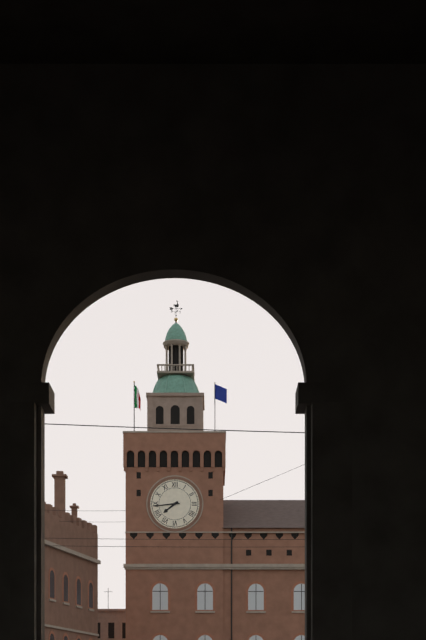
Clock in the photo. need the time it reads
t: 7:44
